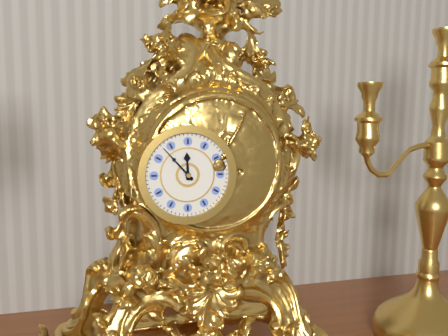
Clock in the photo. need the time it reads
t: 11:53
